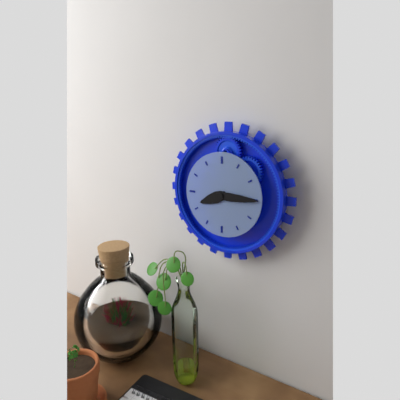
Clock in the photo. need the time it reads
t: 8:15
